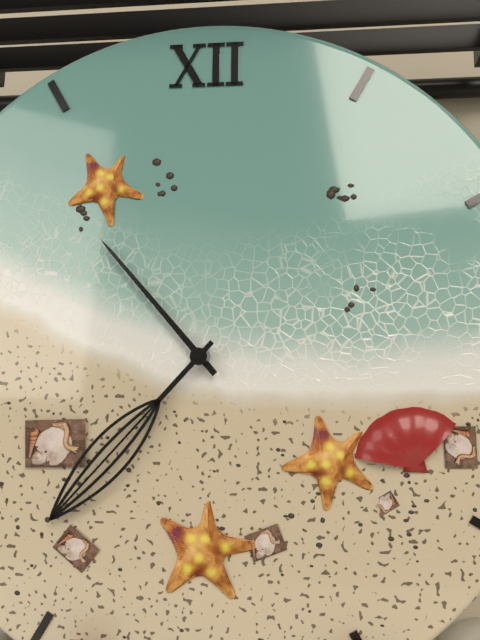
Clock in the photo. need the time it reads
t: 10:37
